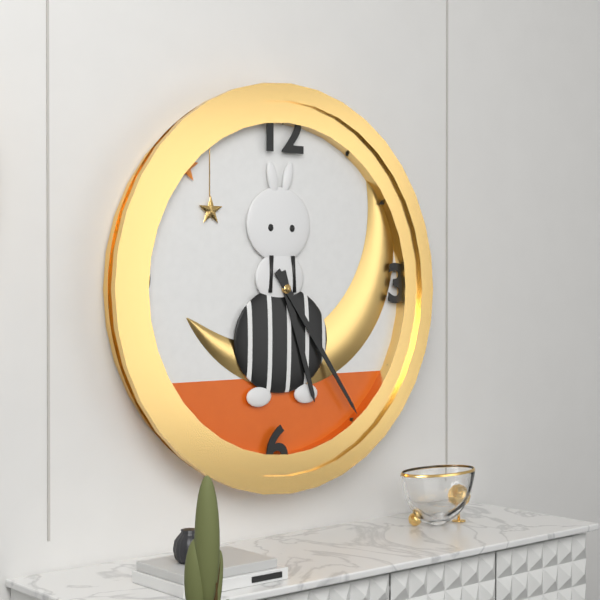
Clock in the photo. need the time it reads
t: 5:24
